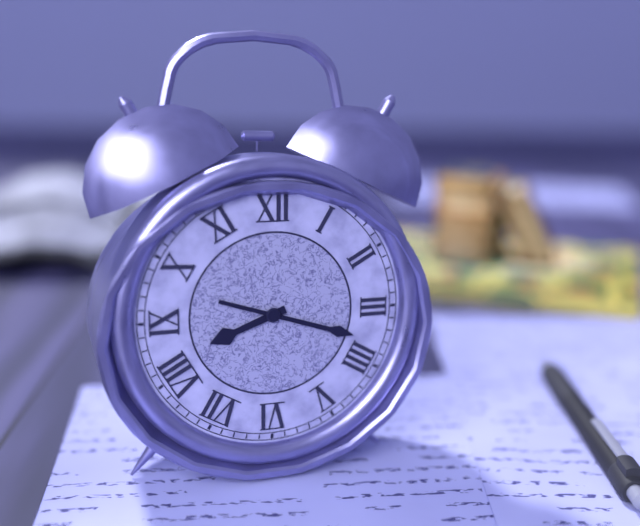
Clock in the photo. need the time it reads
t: 8:18
